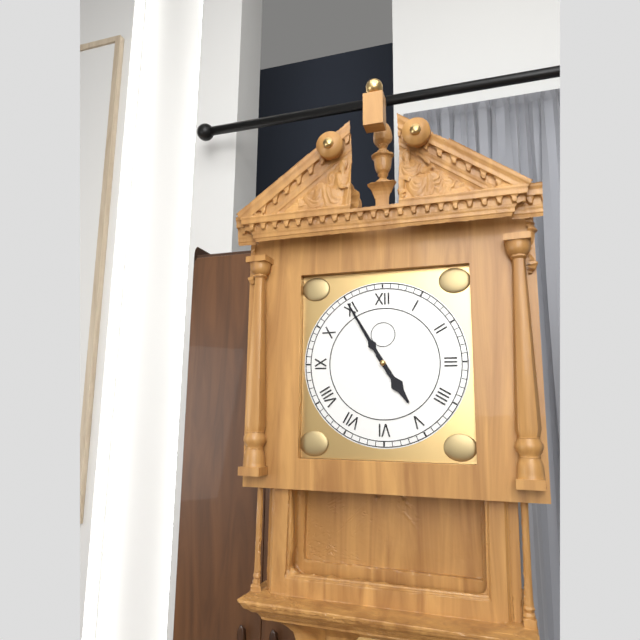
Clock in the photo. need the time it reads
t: 4:55
